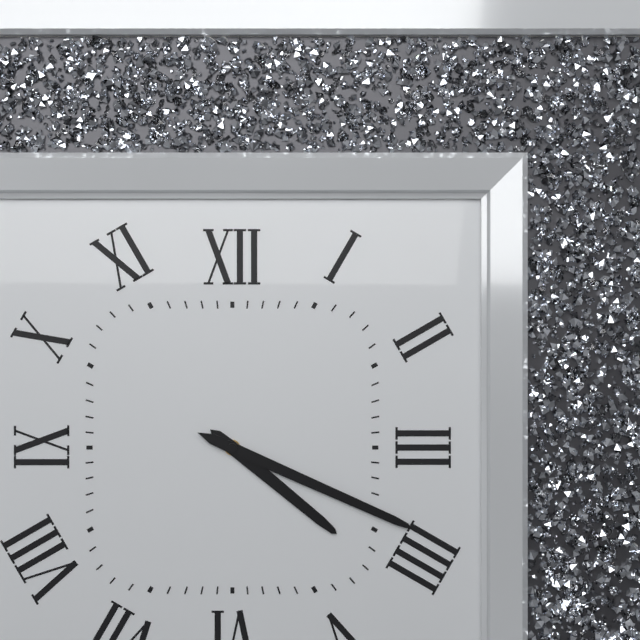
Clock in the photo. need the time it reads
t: 4:19
